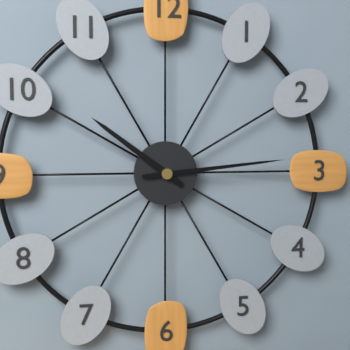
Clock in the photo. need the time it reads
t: 10:14
